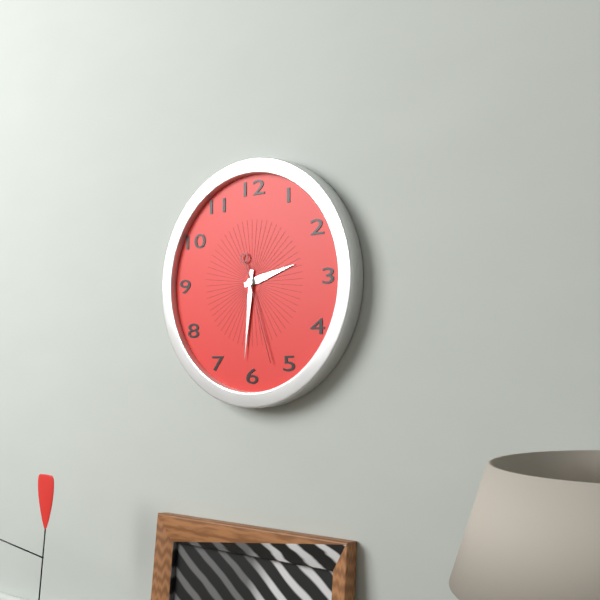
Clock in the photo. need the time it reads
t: 2:31:27
